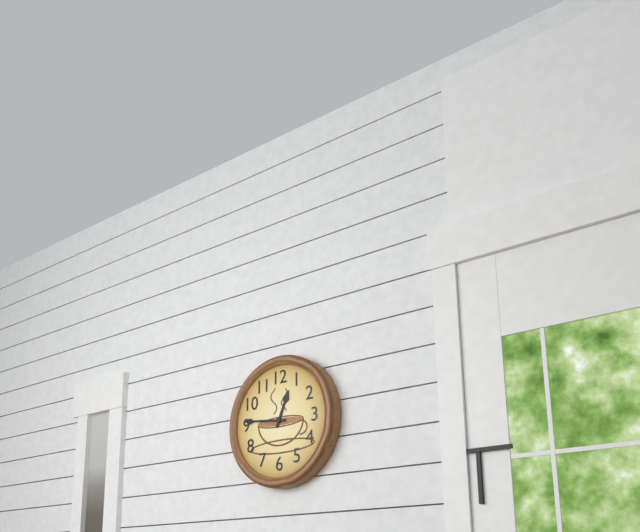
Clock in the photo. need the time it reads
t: 12:46
